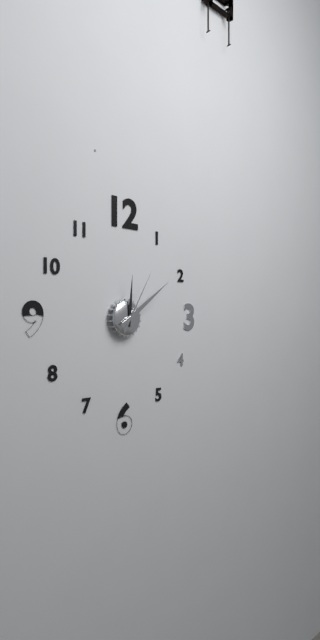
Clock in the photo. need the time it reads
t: 12:09:05
